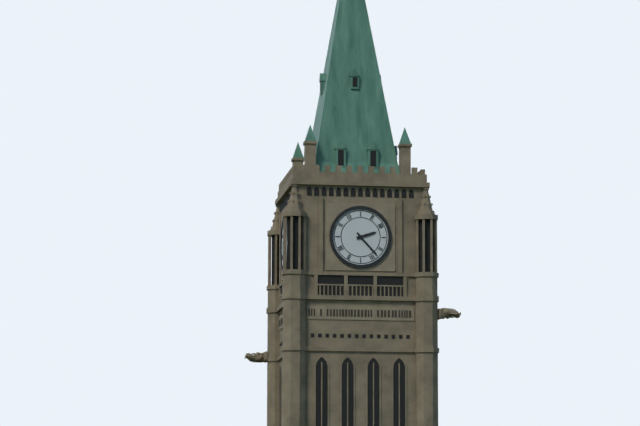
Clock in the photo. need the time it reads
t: 2:23
